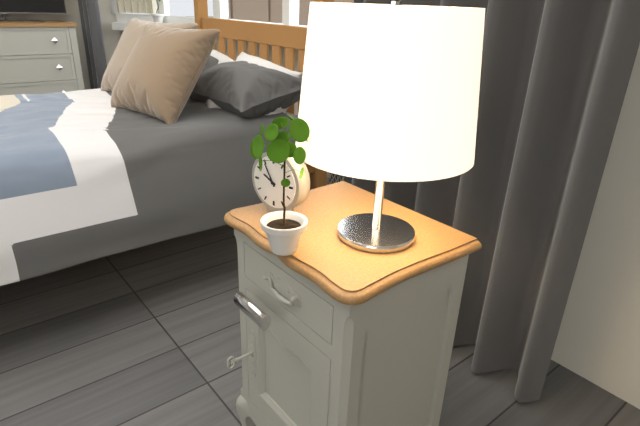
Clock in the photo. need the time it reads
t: 9:55
